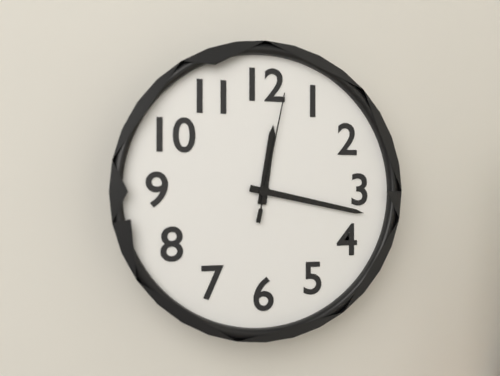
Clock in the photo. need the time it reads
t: 12:17:02
